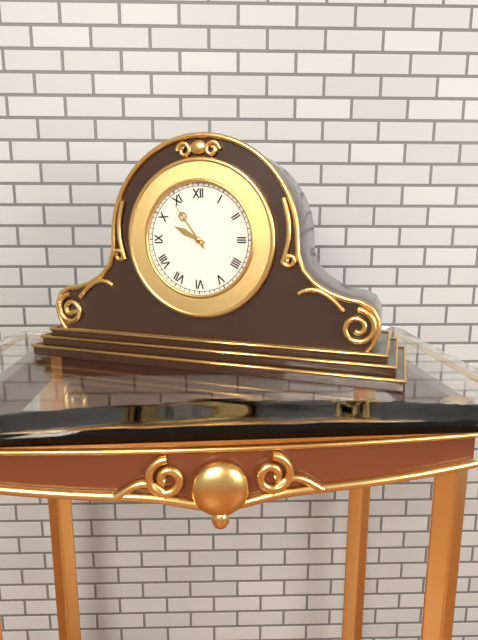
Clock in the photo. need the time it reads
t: 9:54
